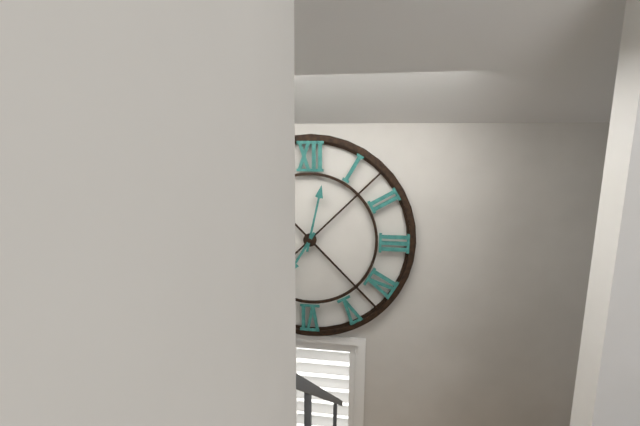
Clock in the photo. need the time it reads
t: 7:02
